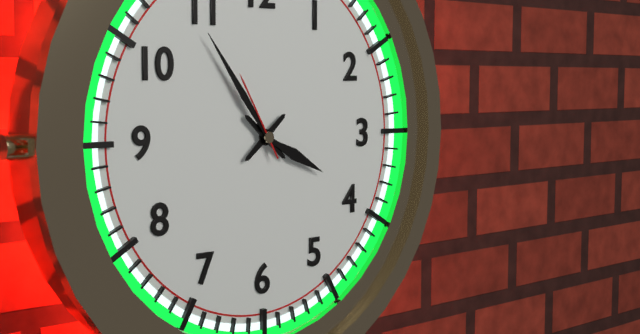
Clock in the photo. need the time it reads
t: 3:54:55
